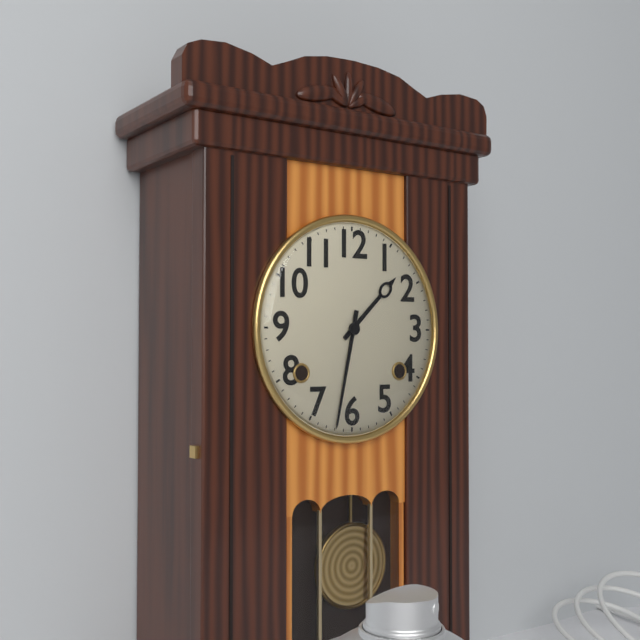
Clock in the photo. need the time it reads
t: 1:32
